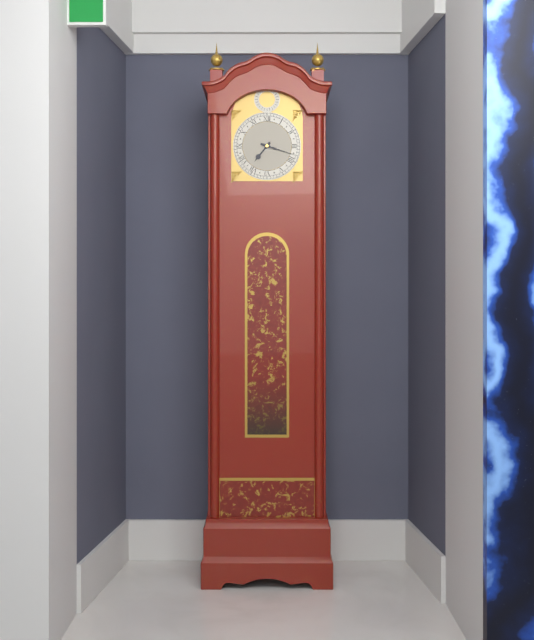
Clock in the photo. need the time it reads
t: 7:18
